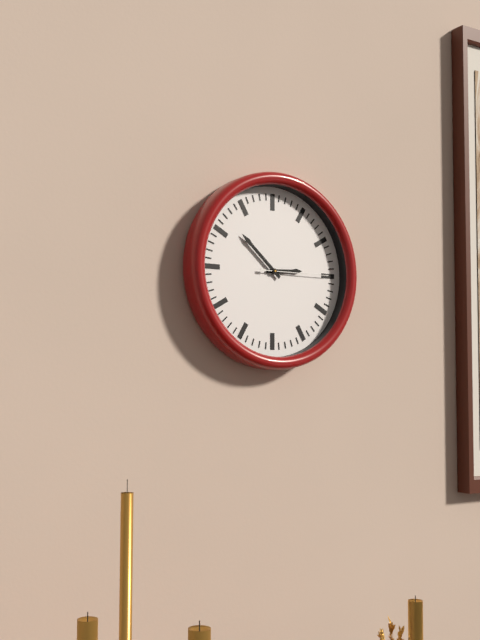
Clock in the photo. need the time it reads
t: 2:52:15
